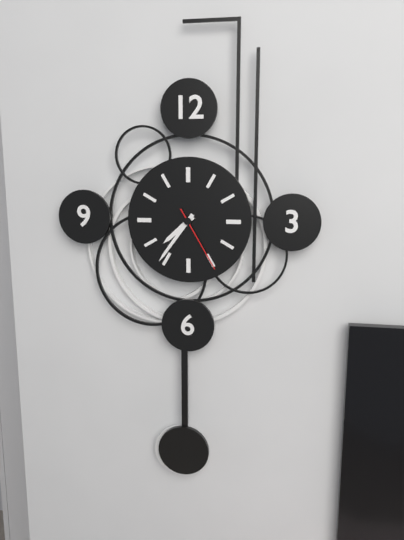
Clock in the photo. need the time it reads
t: 7:36:25
